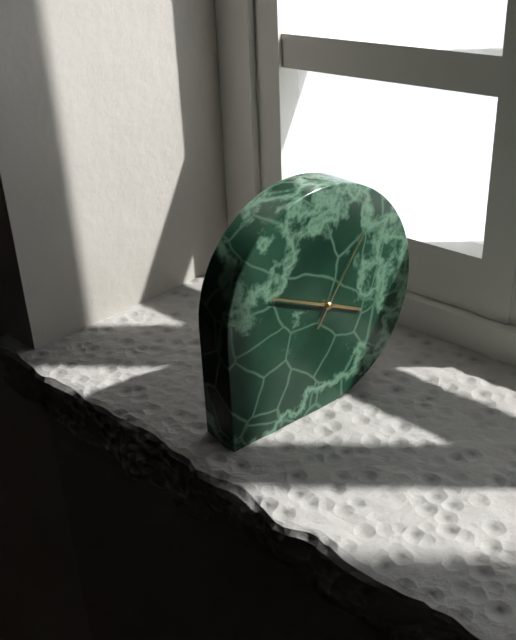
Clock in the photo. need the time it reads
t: 3:49:06
